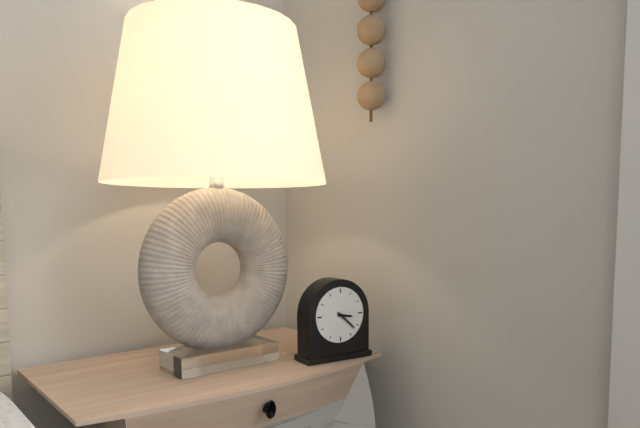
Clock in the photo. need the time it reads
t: 3:22
